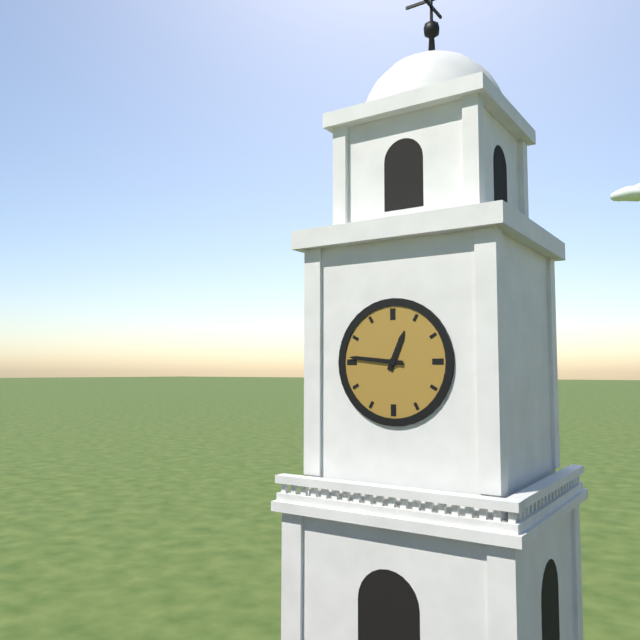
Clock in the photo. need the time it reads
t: 12:46
